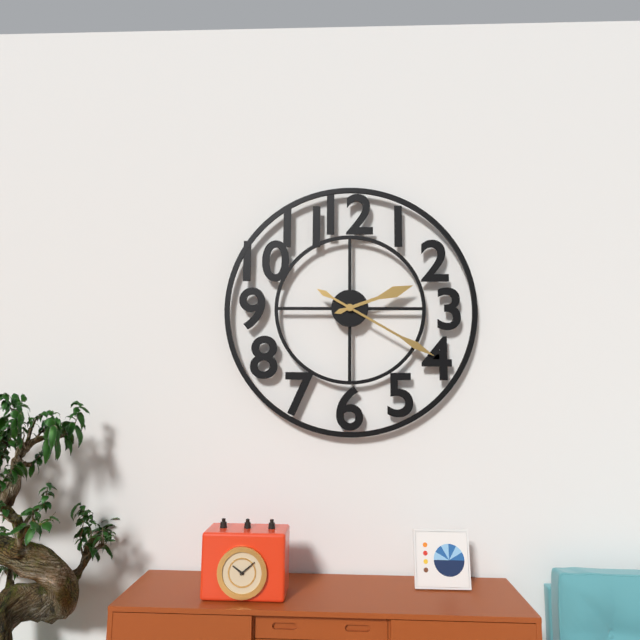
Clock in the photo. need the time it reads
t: 2:20
